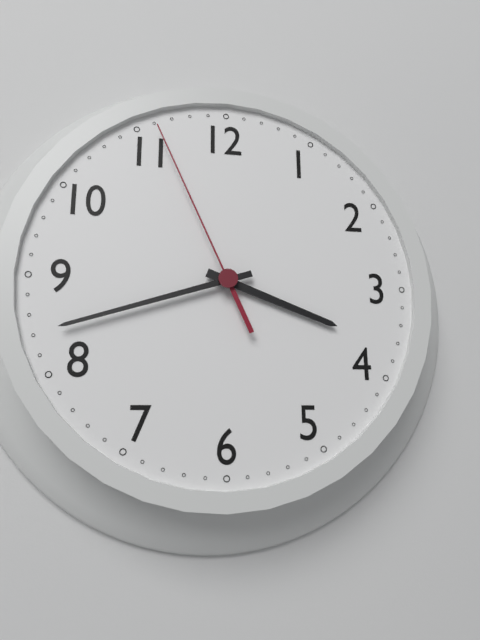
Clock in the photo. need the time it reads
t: 3:42:56
